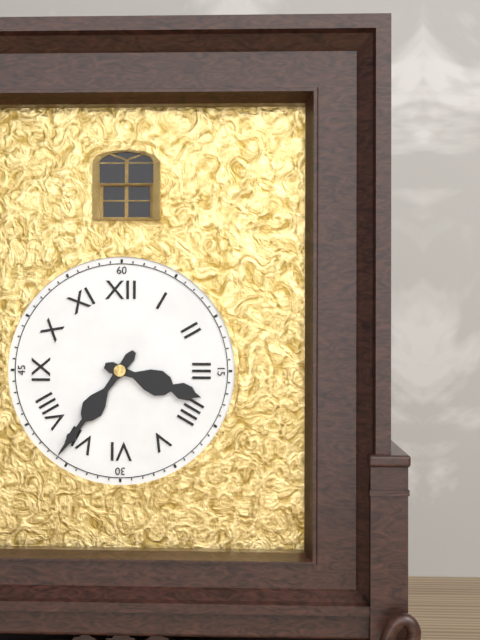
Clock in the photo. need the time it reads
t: 3:36
